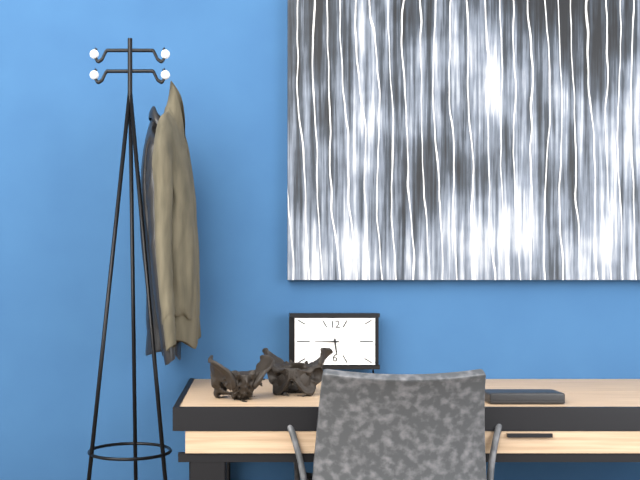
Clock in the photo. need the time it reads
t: 5:45
